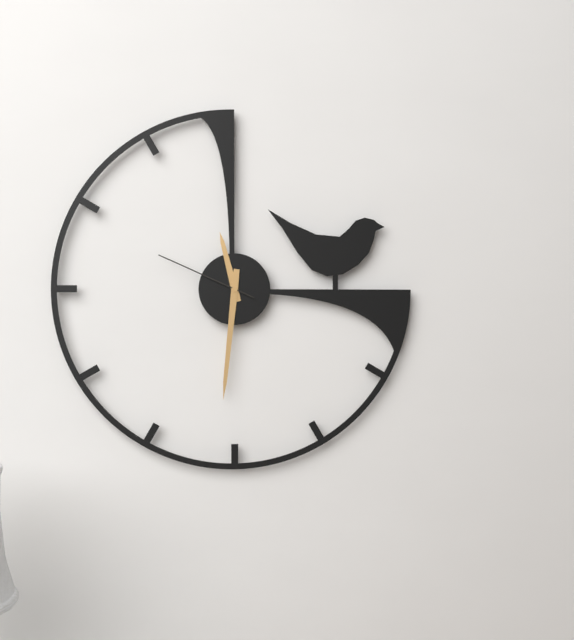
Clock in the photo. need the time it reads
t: 11:31:49
